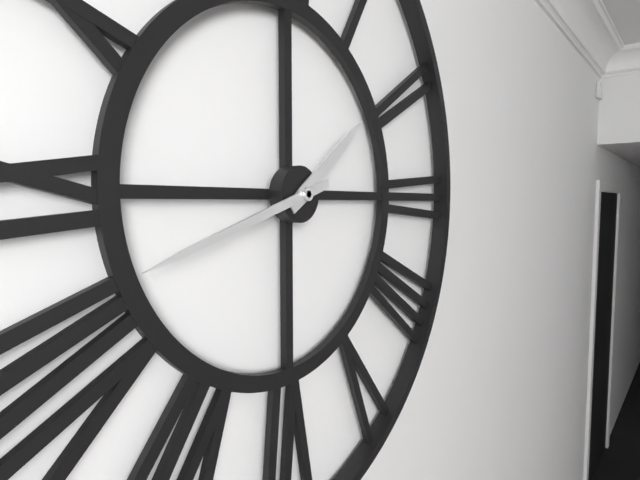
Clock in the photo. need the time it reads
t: 1:42
